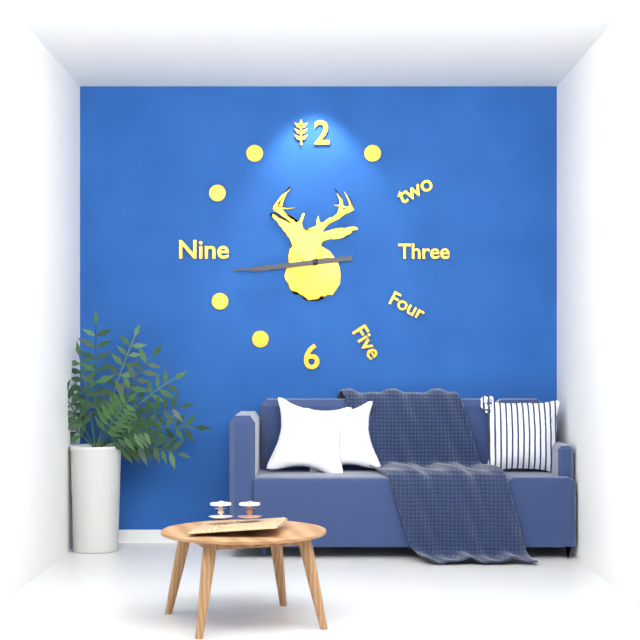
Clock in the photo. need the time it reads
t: 8:44
